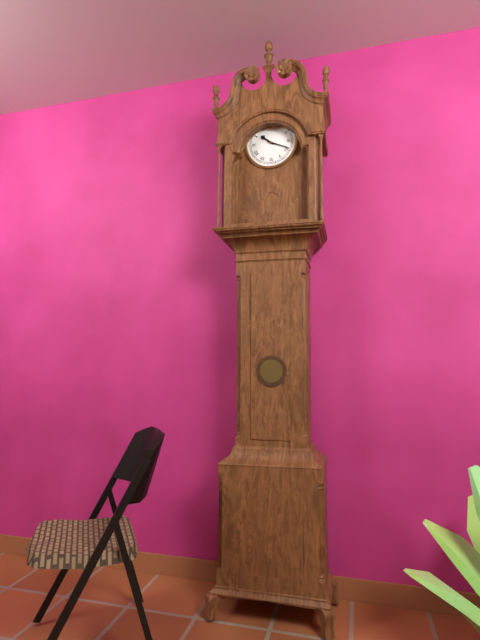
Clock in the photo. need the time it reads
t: 10:19
